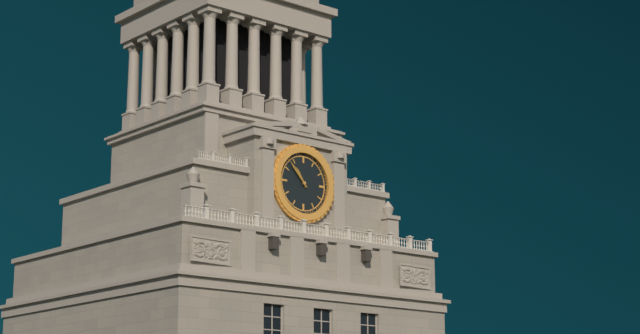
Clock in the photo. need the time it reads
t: 10:53
